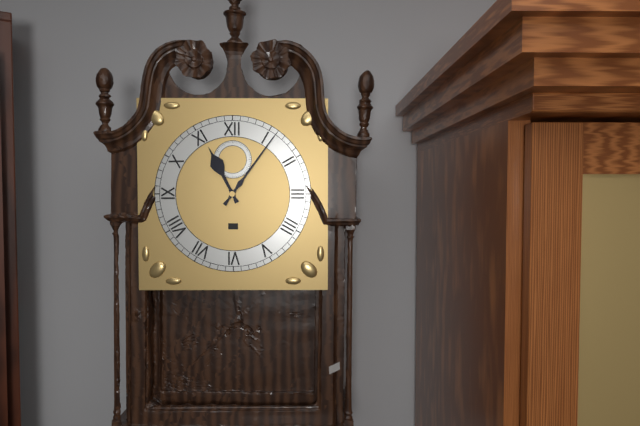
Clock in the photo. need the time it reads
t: 11:06
